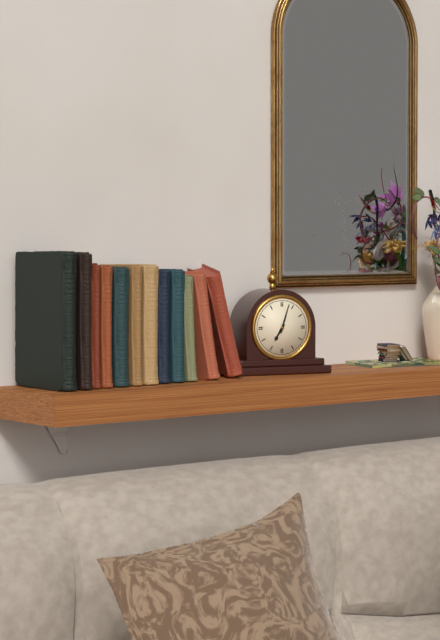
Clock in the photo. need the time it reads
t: 7:03
